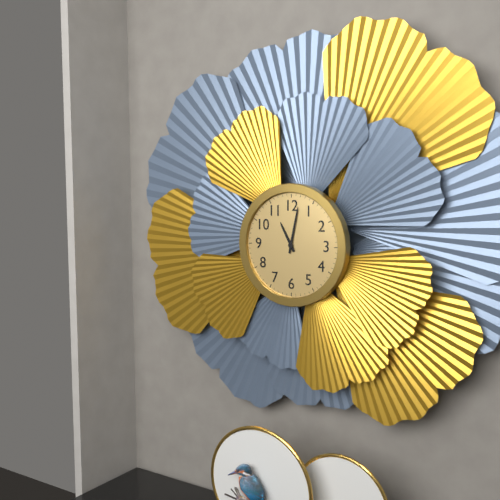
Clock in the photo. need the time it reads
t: 11:02
